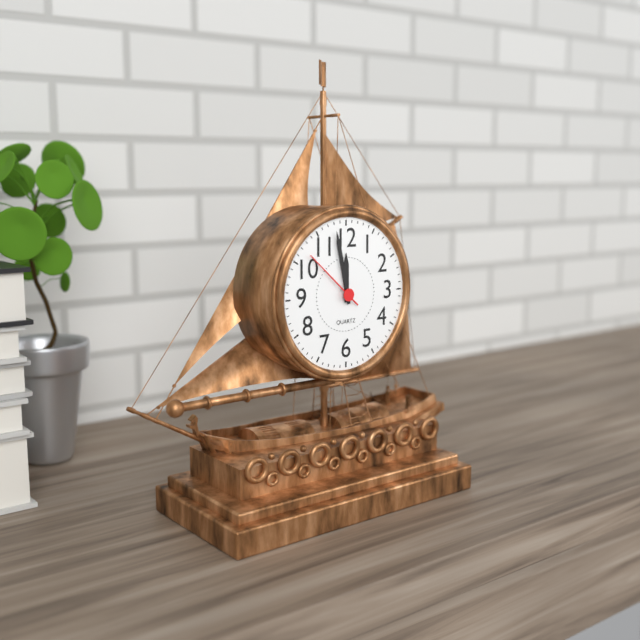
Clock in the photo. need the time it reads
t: 11:58:52
